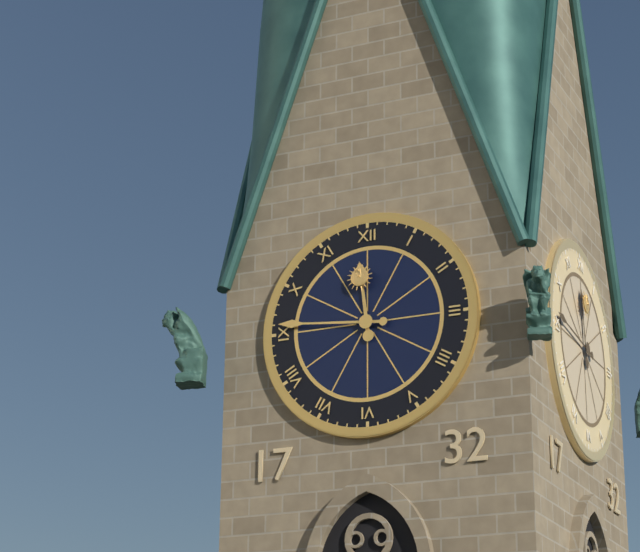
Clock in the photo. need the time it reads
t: 11:46
